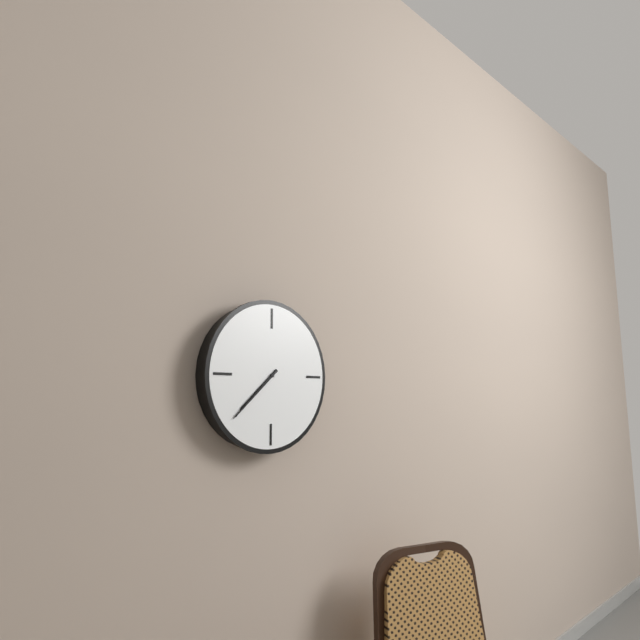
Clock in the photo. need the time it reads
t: 7:38
